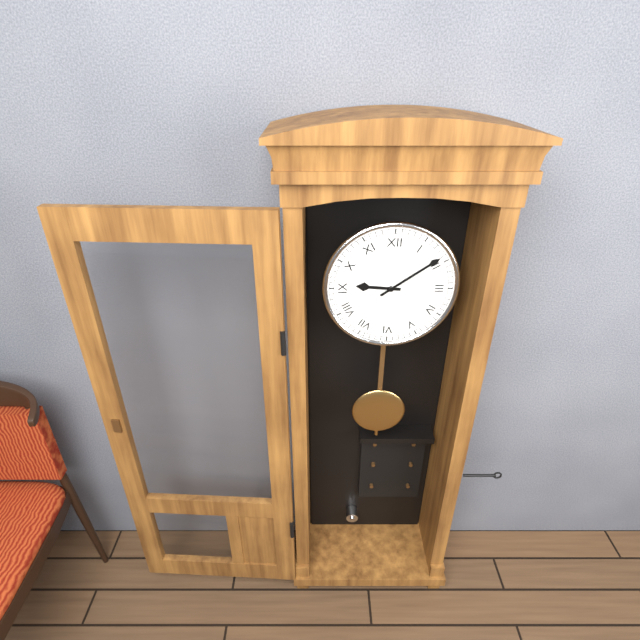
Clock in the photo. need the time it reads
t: 9:09
